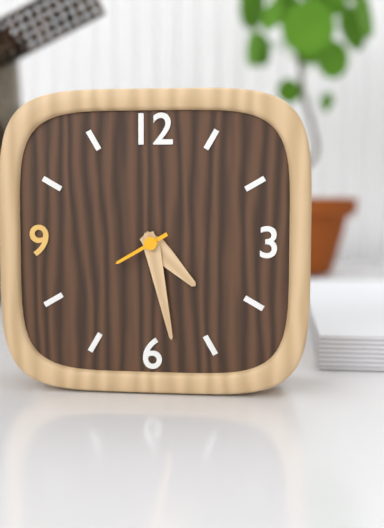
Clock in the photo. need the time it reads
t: 4:28:40
